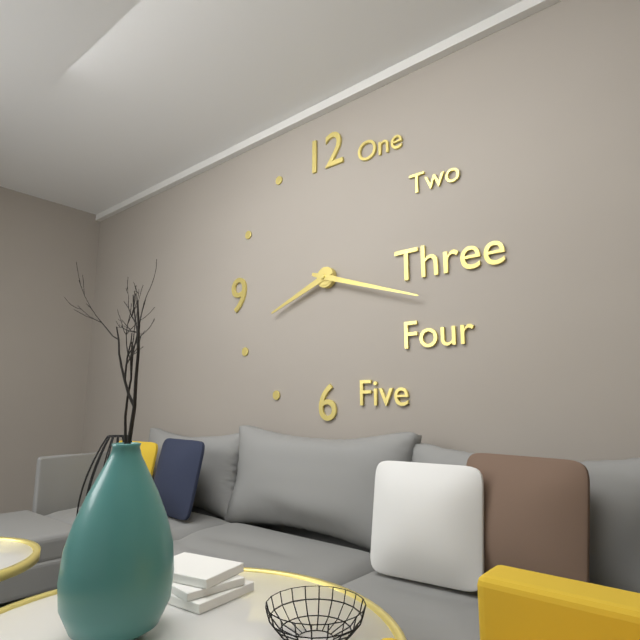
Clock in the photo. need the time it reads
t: 8:18
